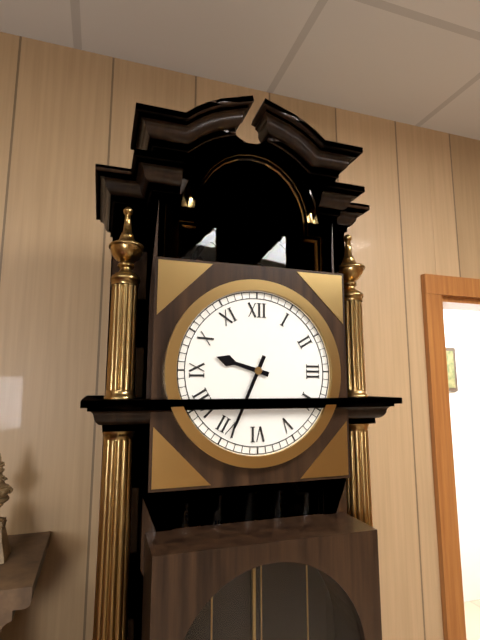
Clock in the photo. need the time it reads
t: 9:34
